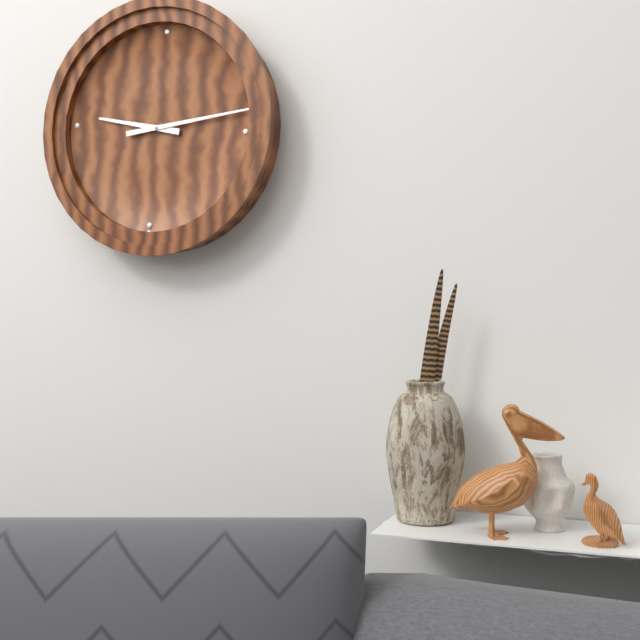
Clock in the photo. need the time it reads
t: 9:13
